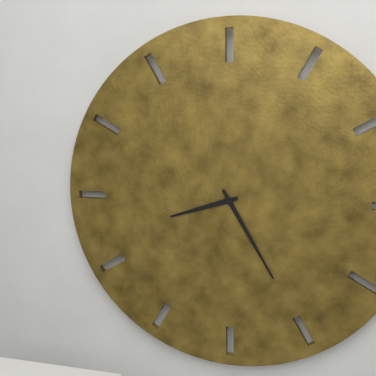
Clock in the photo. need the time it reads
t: 8:25
